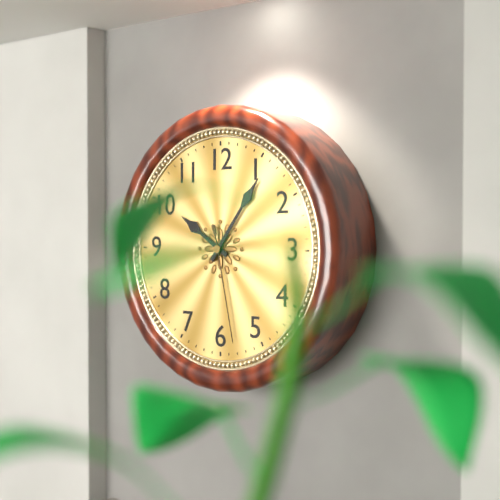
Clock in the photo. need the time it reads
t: 10:06:28
